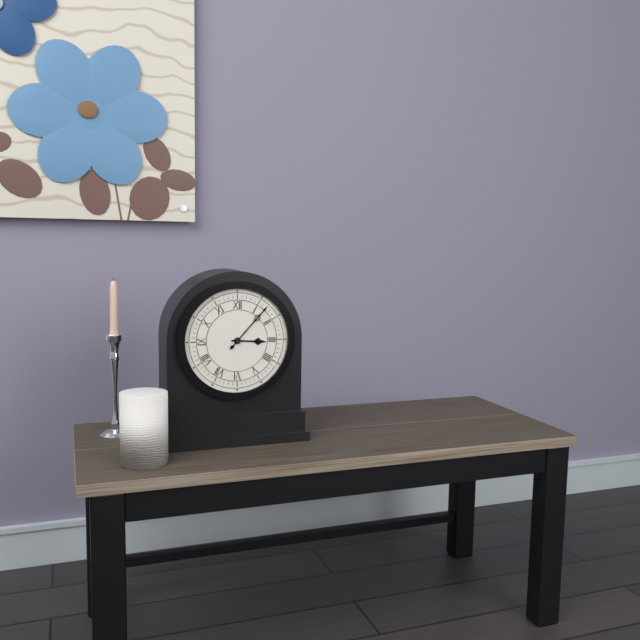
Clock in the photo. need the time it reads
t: 3:07
